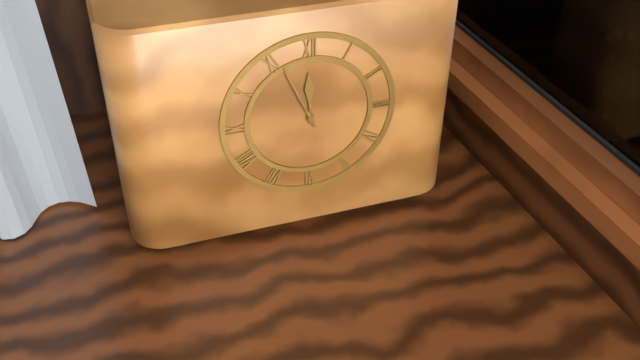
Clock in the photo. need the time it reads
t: 11:56
